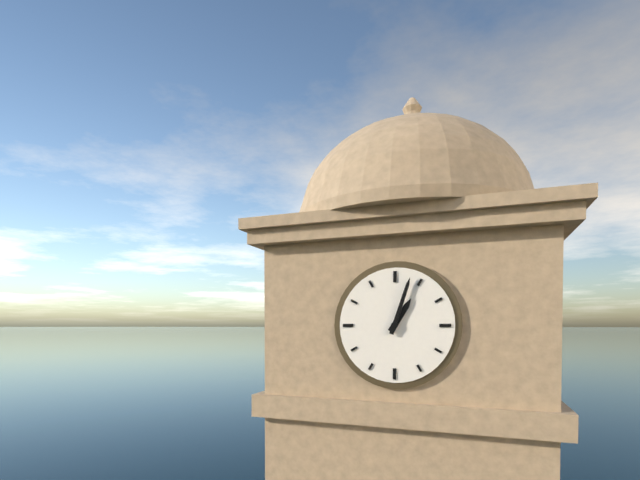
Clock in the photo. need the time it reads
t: 1:03
